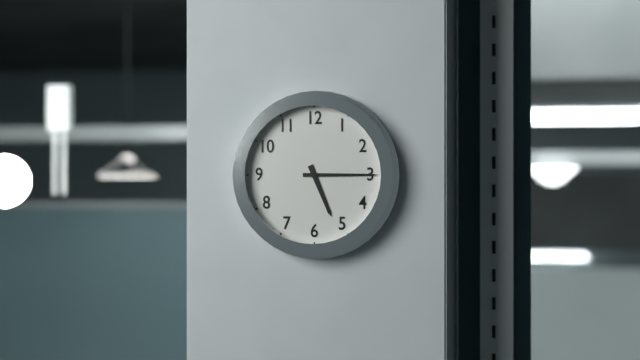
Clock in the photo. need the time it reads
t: 5:15
